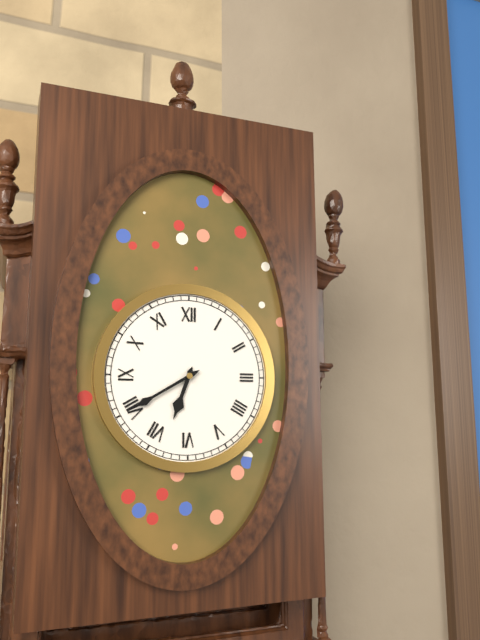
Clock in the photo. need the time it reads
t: 6:40
